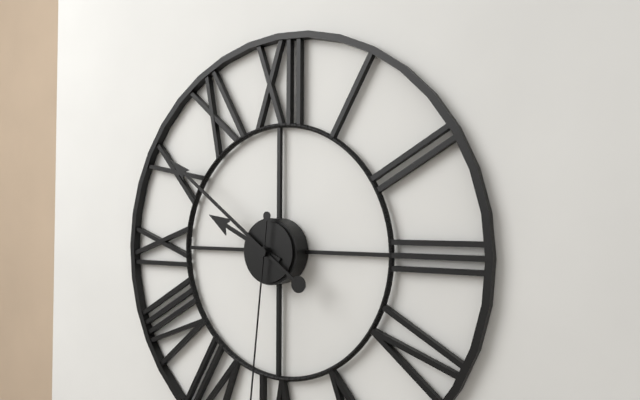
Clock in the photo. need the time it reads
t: 9:51
